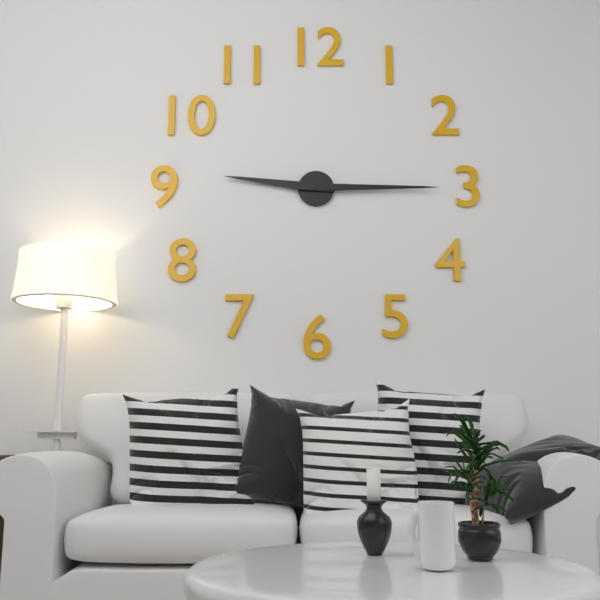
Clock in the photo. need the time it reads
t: 9:15
